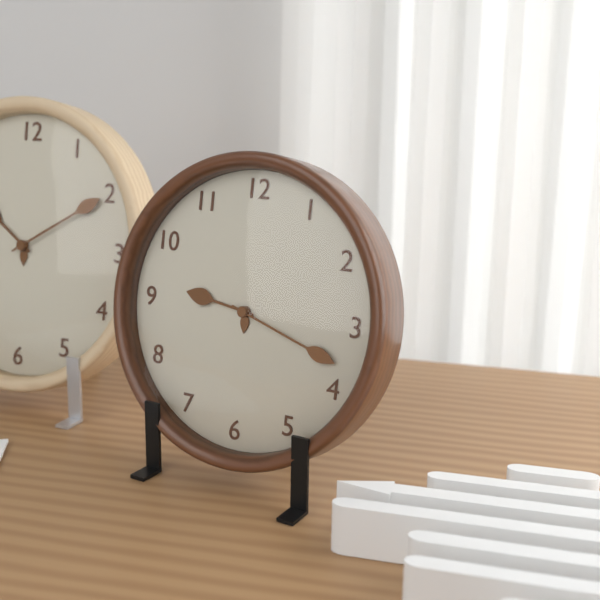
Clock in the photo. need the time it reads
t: 9:18
